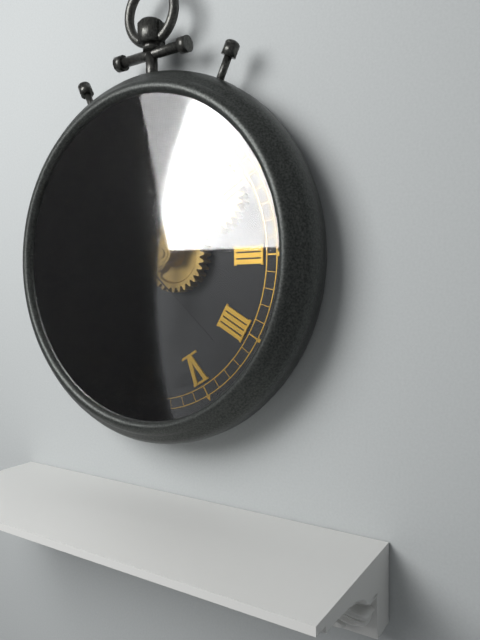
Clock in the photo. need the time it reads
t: 5:31:22
